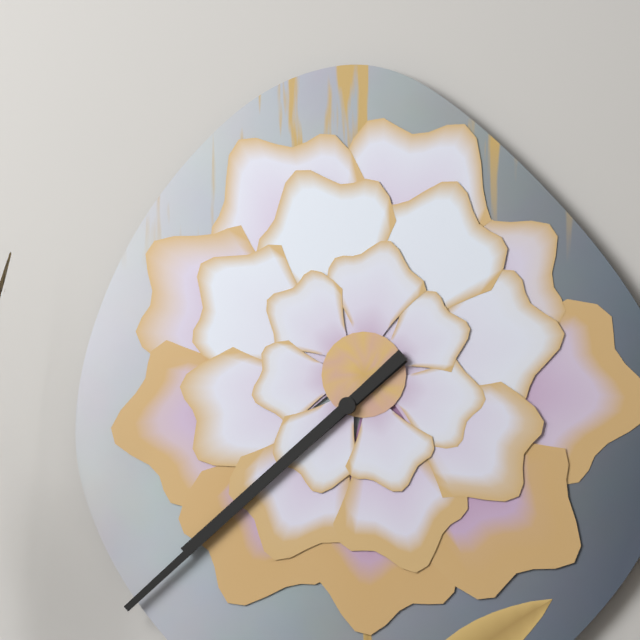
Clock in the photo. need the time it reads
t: 7:38
